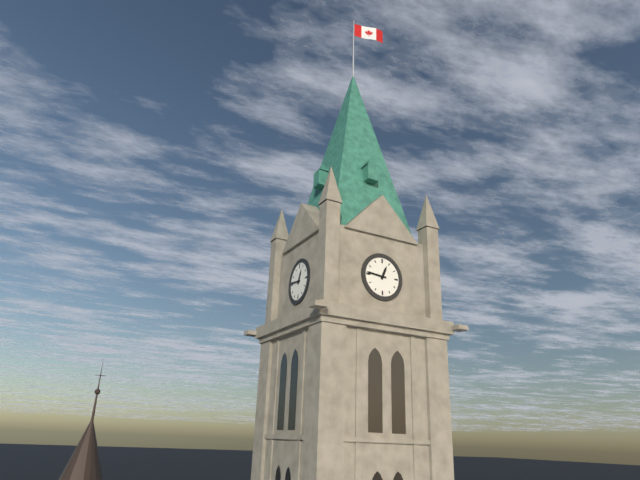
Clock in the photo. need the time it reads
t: 12:46
